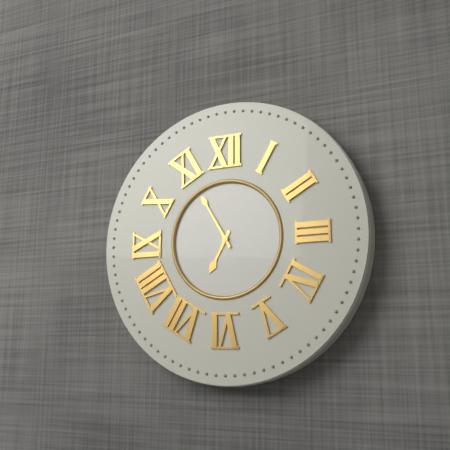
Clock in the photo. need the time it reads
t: 6:55
